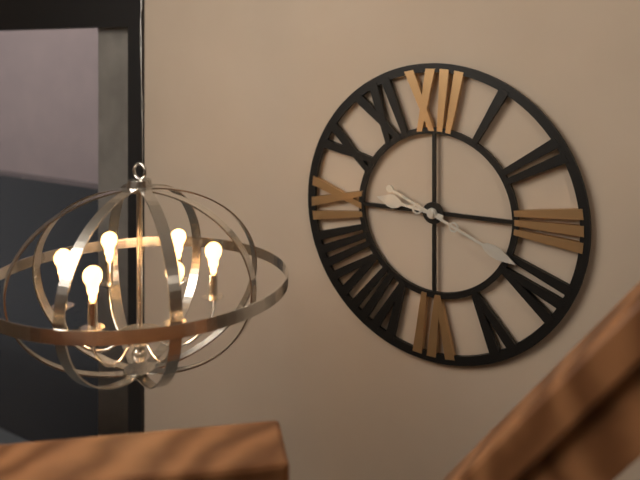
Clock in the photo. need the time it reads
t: 9:19
